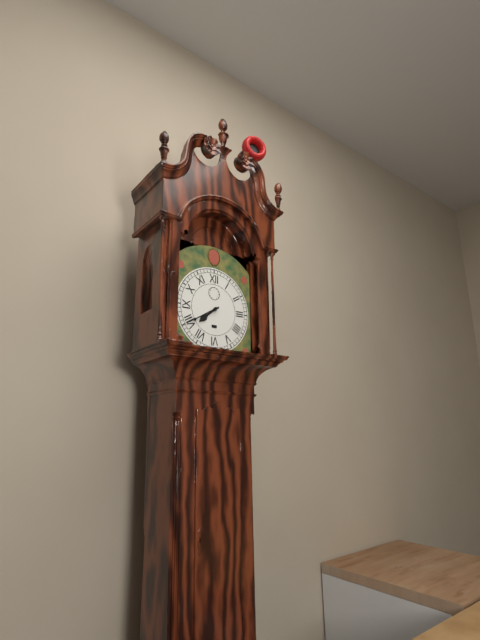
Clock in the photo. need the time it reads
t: 7:40
